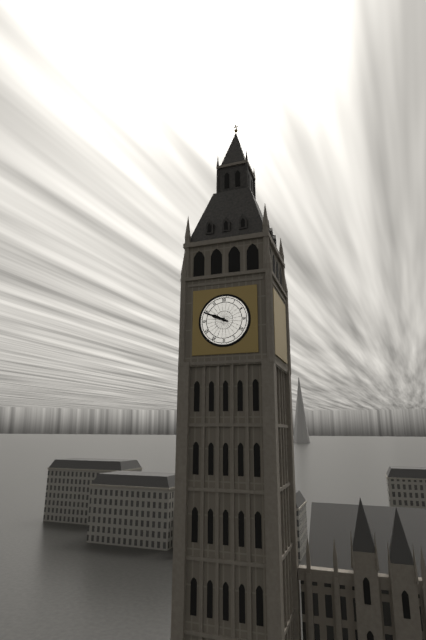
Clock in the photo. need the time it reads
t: 9:49
